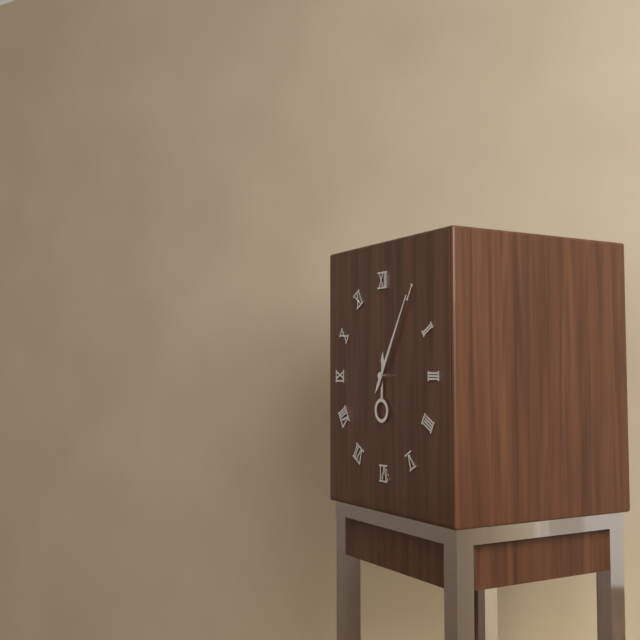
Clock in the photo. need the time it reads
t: 6:05
